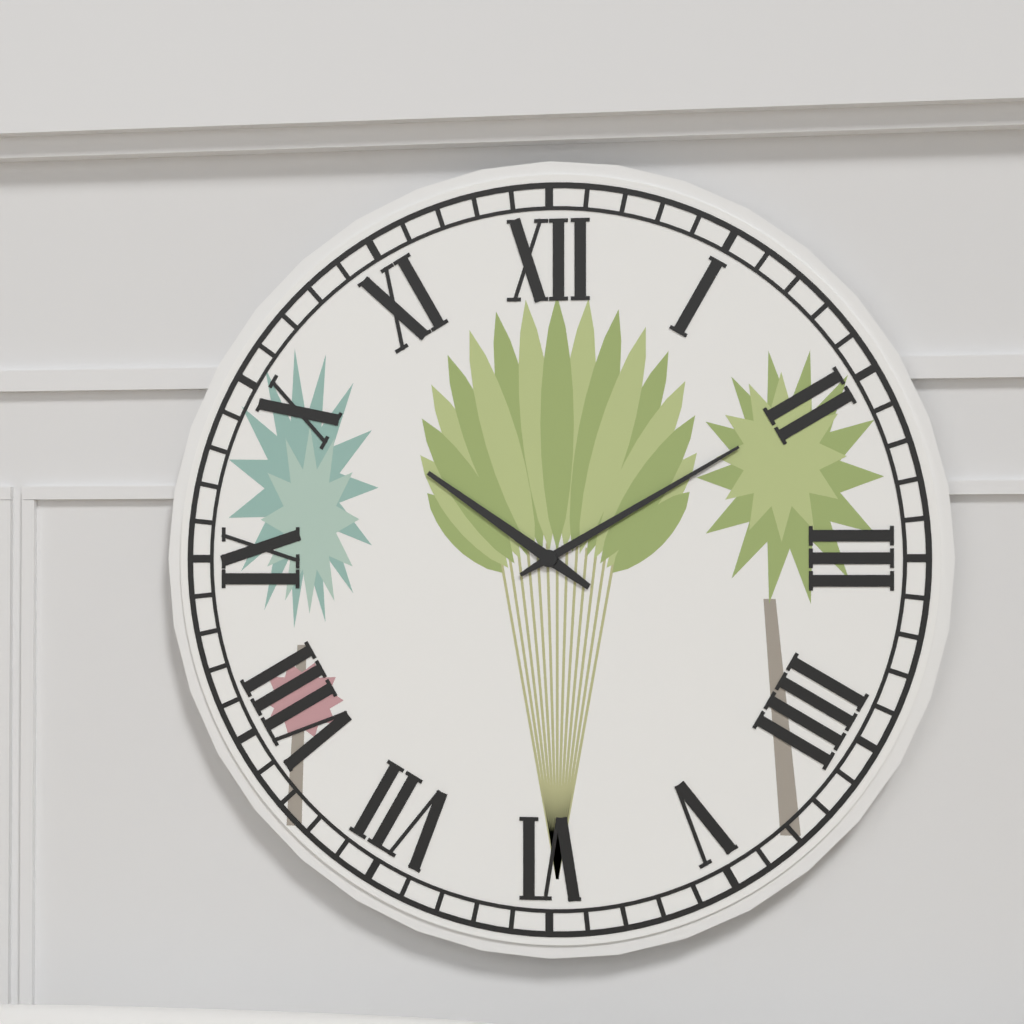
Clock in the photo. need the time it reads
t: 10:10
